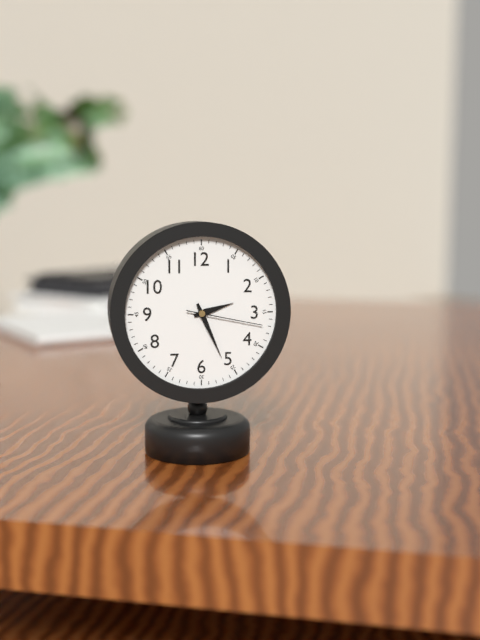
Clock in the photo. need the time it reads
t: 2:26:17
